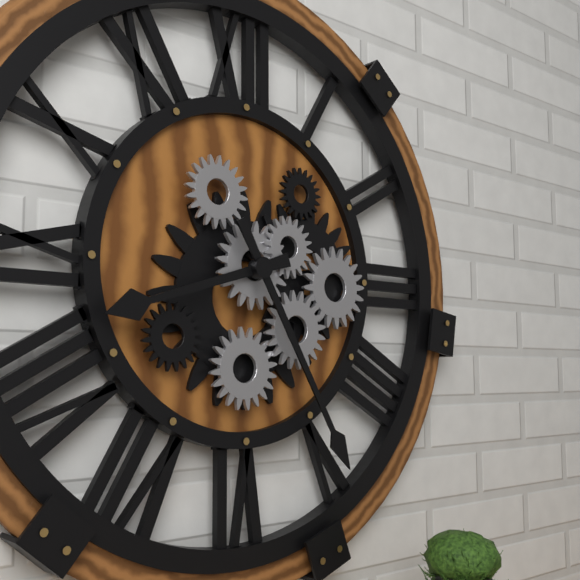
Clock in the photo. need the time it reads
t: 8:25
